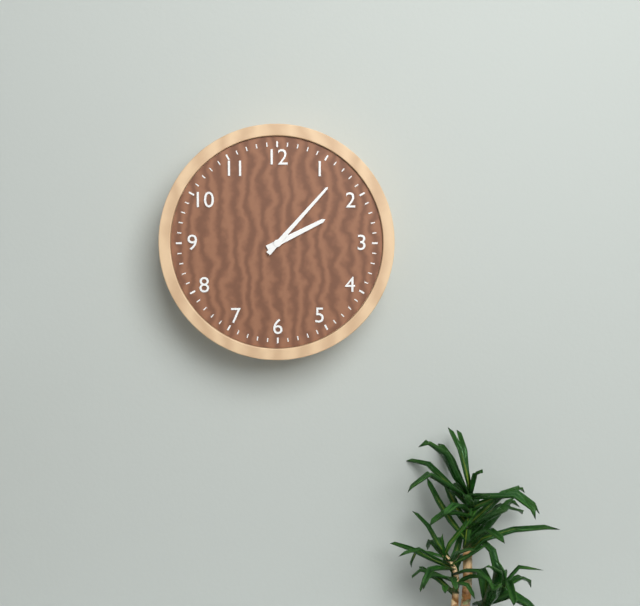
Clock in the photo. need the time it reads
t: 2:07
